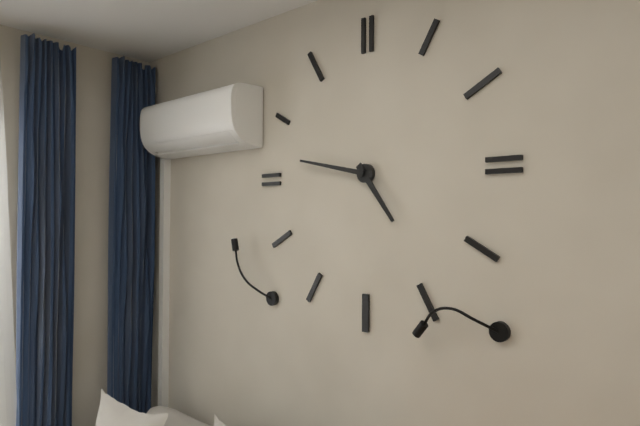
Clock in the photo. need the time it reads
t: 4:47
